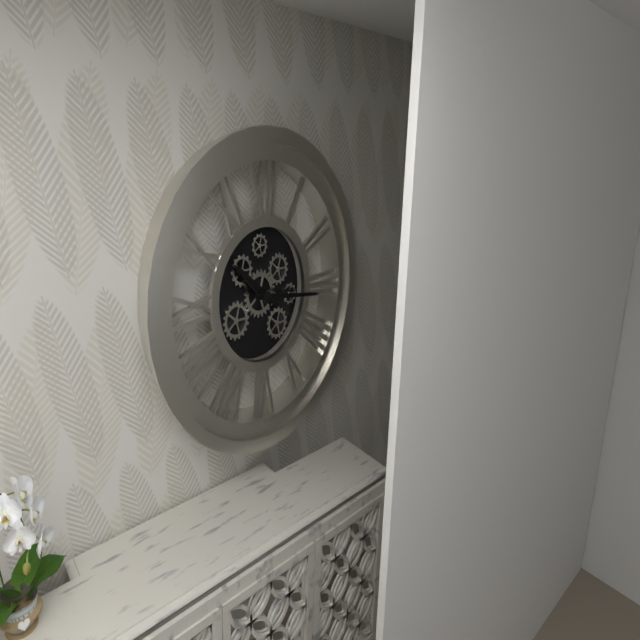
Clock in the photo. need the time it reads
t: 10:16
